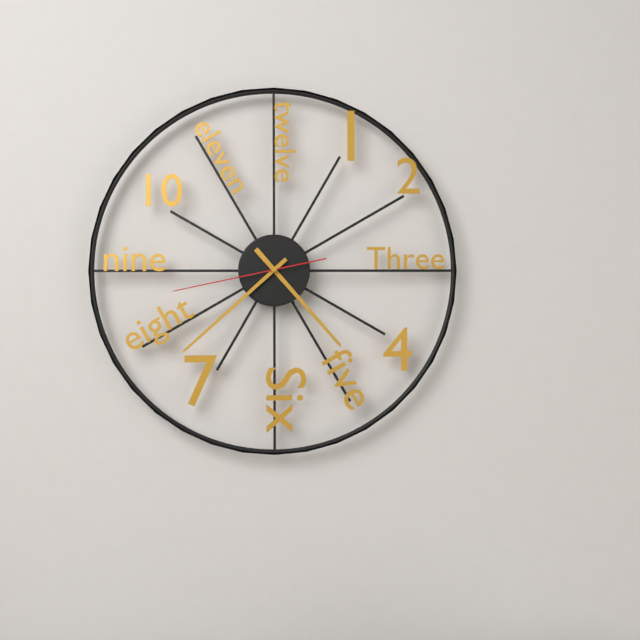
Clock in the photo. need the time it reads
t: 4:38:43
